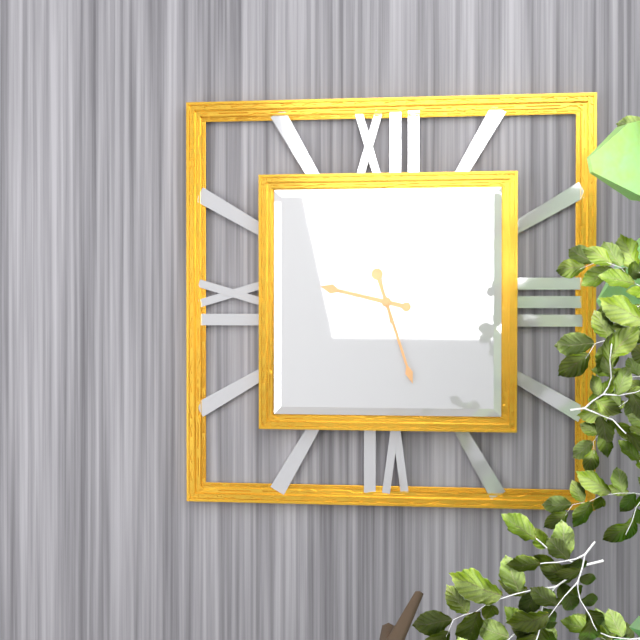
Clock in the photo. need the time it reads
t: 9:27:58
